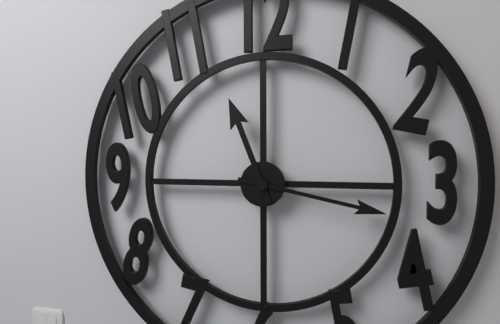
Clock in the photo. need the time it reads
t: 11:17
